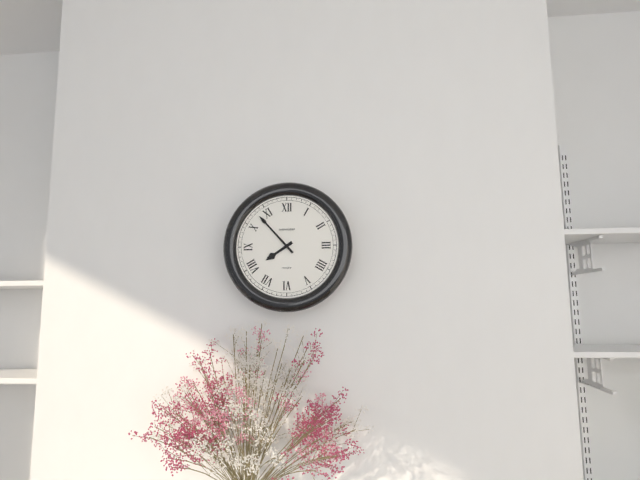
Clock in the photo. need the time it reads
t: 7:53
